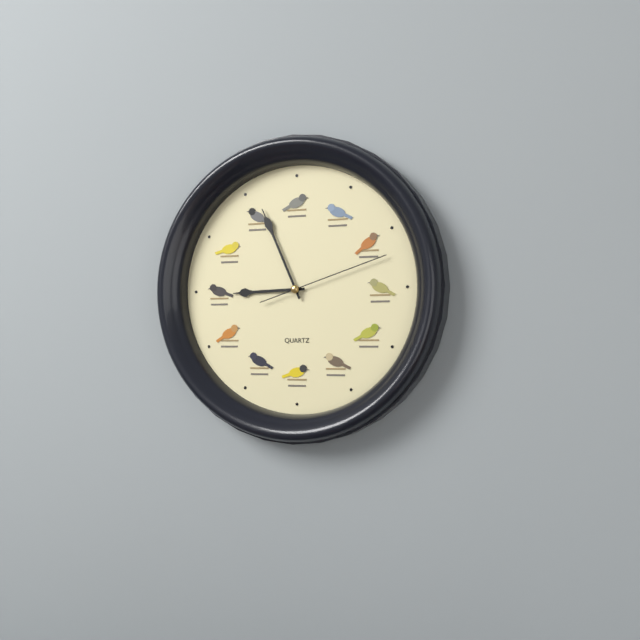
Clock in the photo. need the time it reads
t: 8:56:12
